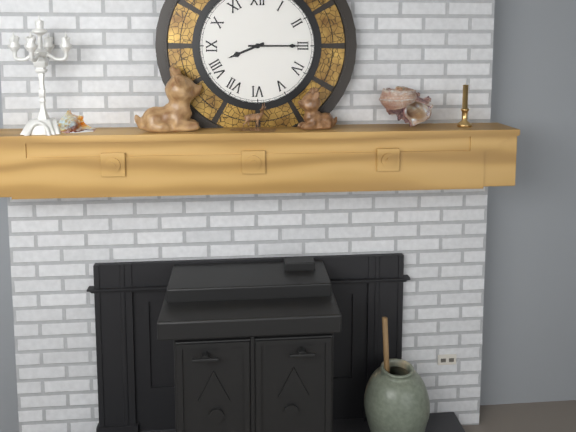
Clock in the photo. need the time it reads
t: 8:15
